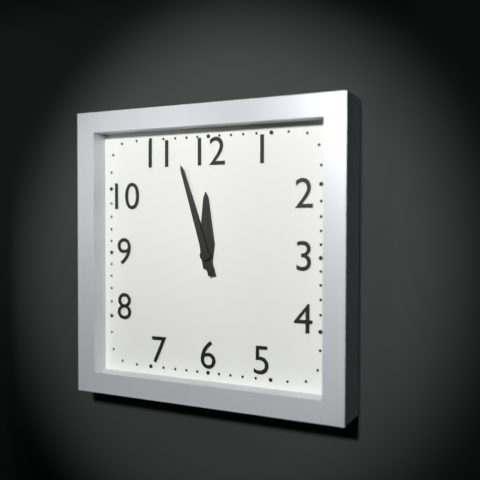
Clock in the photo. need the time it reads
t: 11:57
